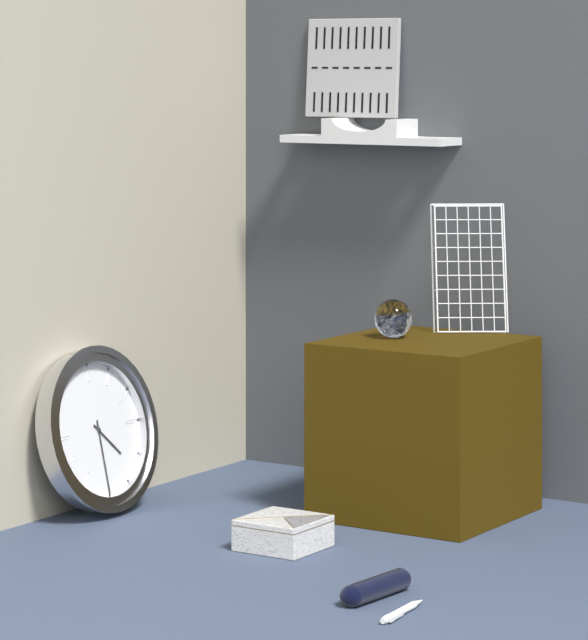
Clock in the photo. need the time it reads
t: 4:30
